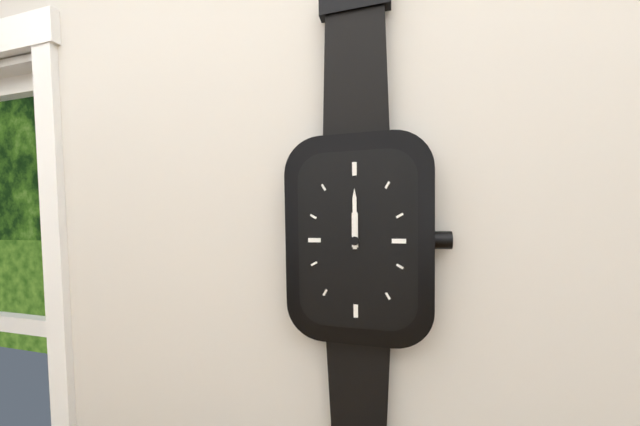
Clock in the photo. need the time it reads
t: 12:00
